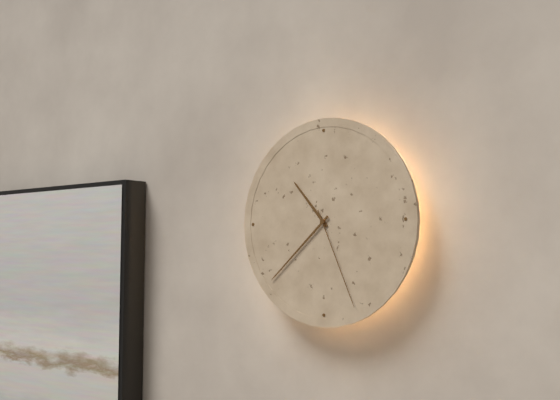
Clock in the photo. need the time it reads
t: 10:38:26
